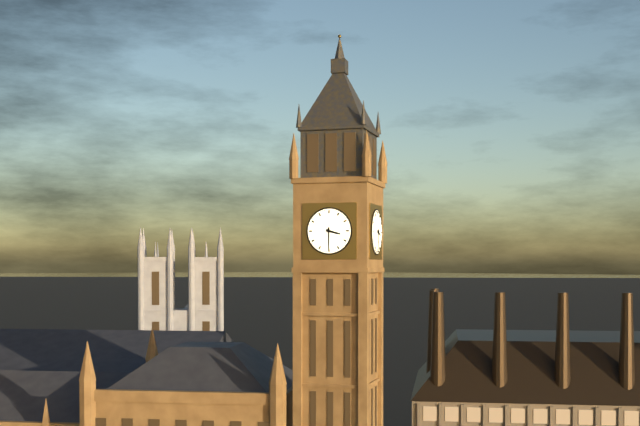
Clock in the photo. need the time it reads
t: 3:30
